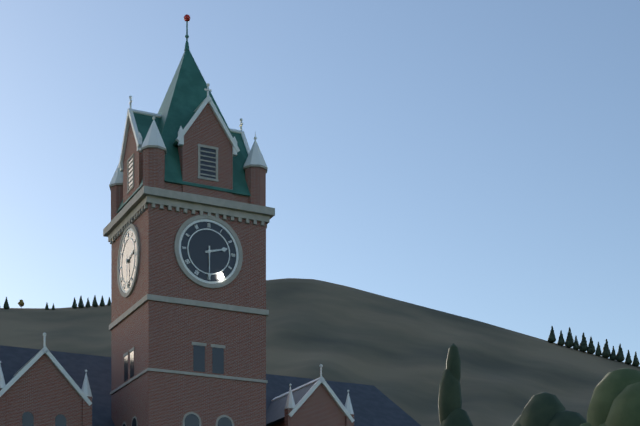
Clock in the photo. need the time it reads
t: 2:30
